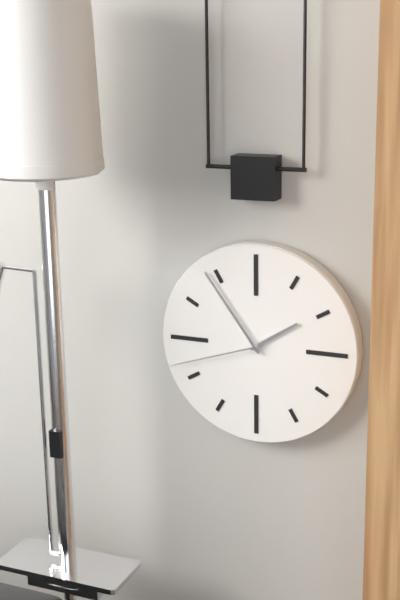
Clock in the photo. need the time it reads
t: 1:54:42
